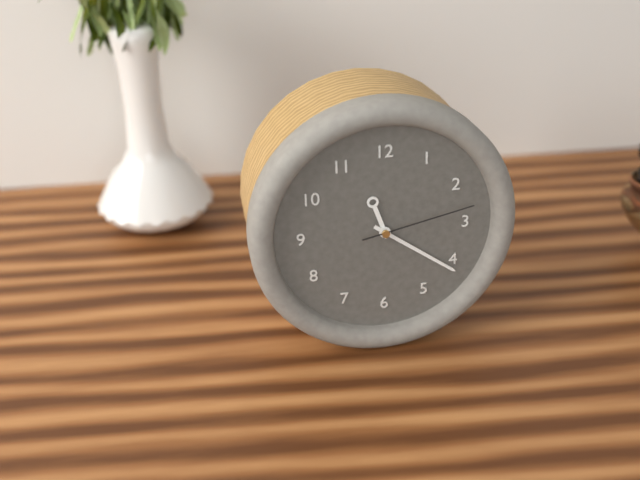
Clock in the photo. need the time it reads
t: 11:21:13
